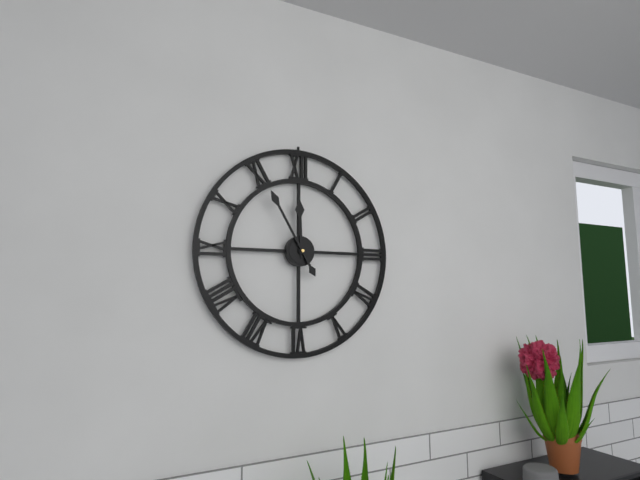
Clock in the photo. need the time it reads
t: 11:55
